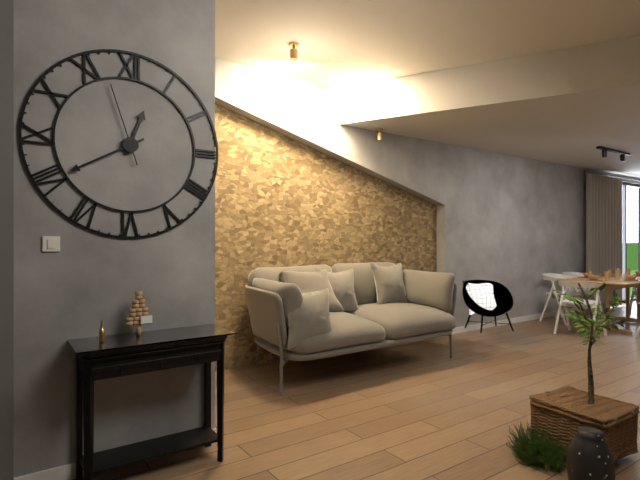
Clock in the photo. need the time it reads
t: 12:40:57
